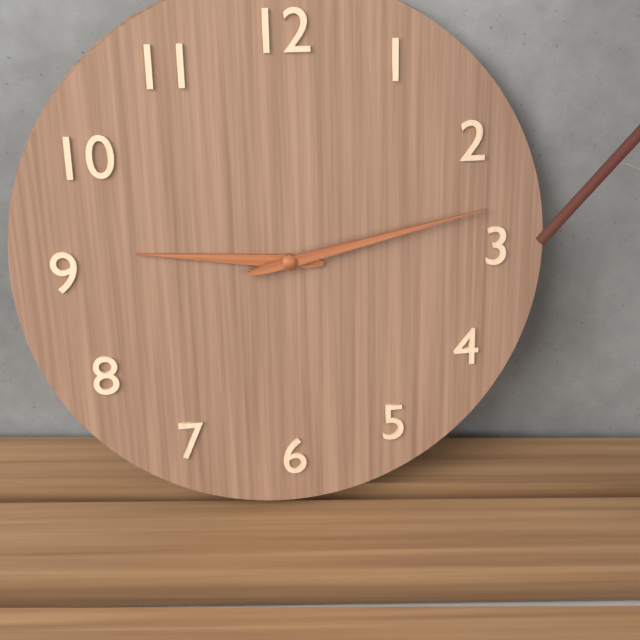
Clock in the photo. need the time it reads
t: 9:13
